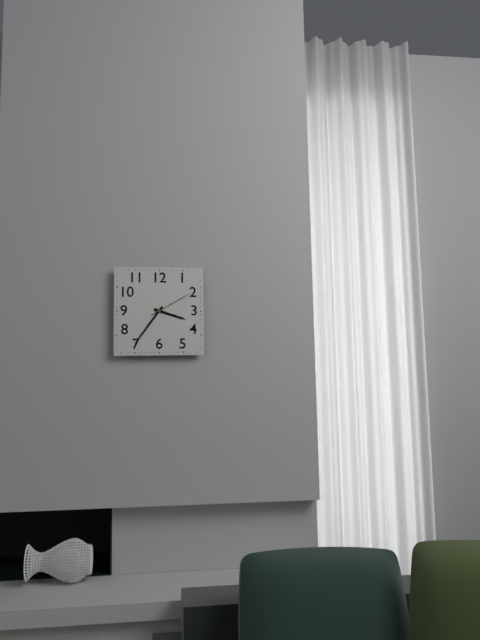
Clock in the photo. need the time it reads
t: 3:36
